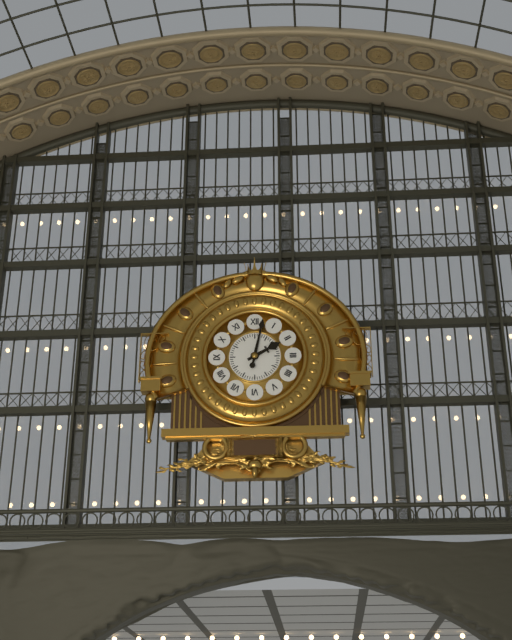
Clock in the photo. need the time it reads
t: 2:02
